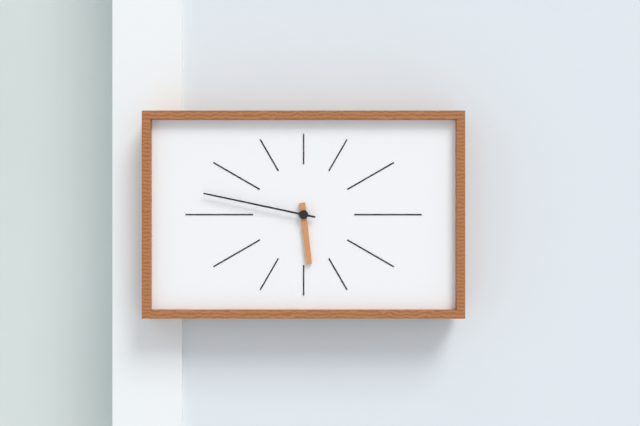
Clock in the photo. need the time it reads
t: 5:47
